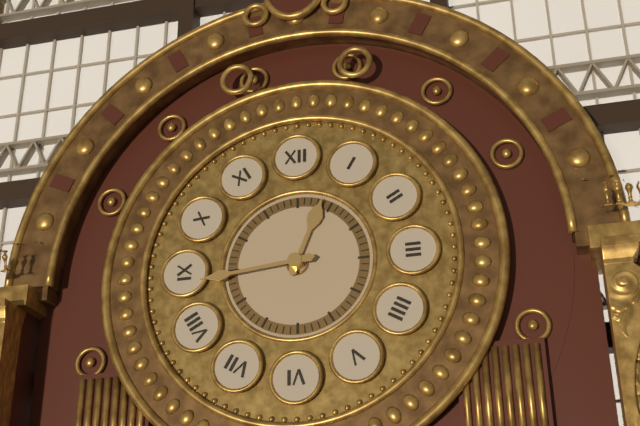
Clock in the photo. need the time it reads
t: 12:44
